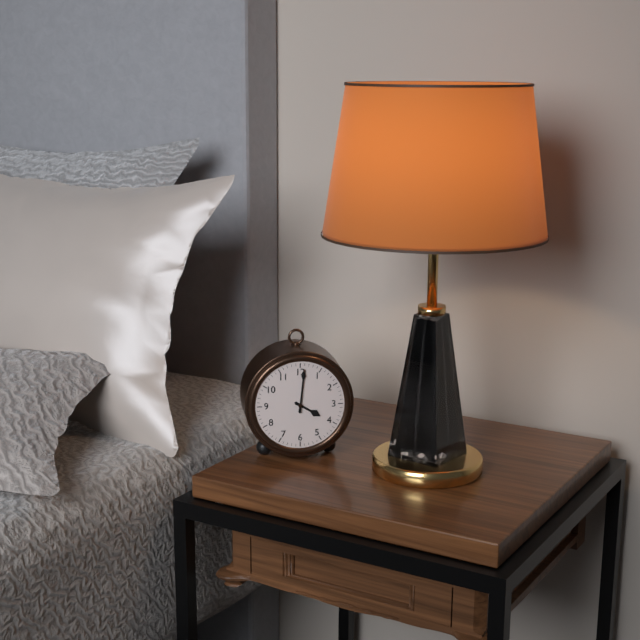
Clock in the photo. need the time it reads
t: 4:01
